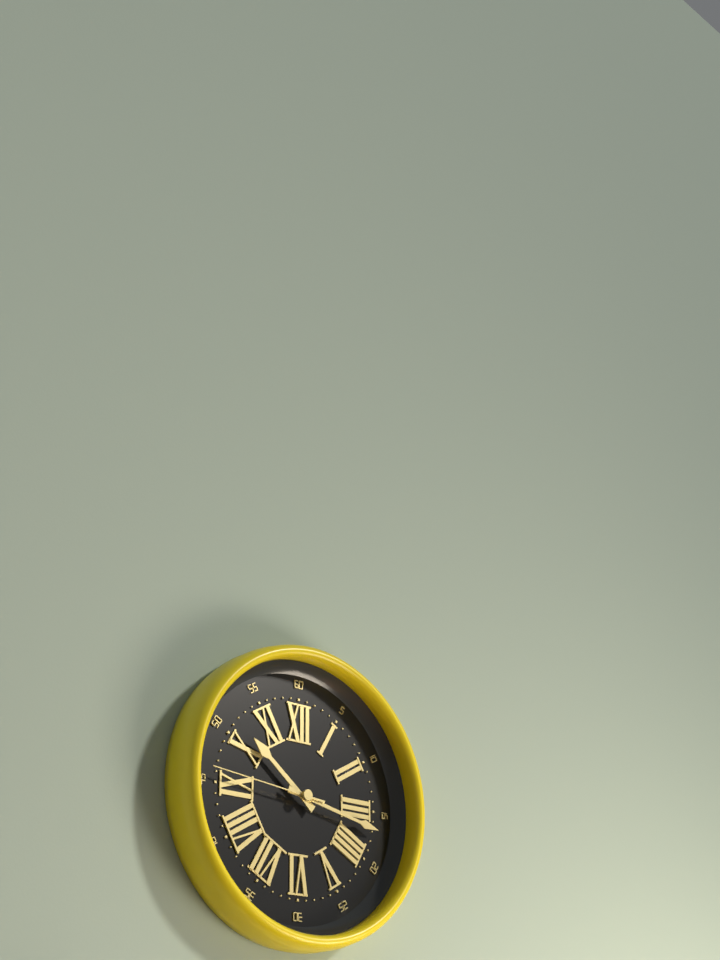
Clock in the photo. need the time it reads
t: 10:17:46
